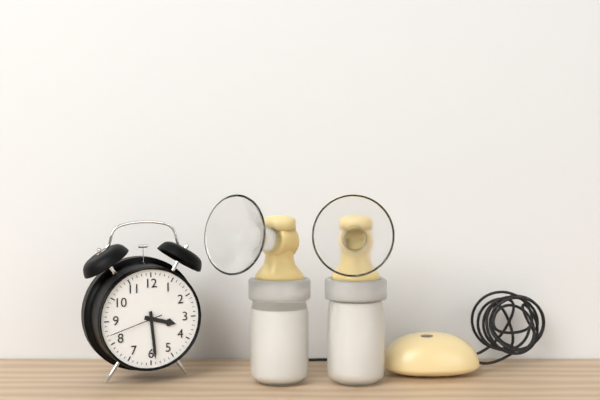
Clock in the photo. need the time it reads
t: 3:29:42
